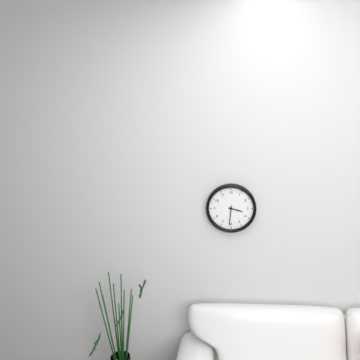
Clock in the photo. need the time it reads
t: 3:31
